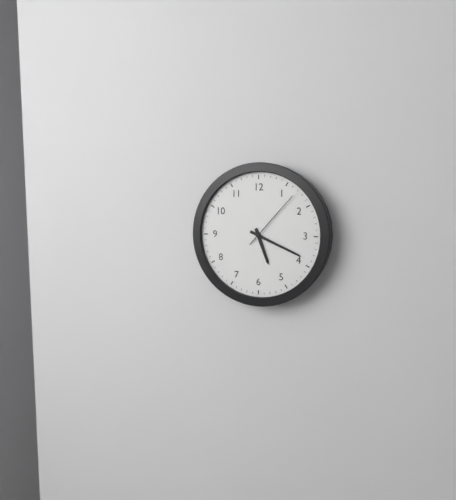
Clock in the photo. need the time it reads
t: 5:19:07
